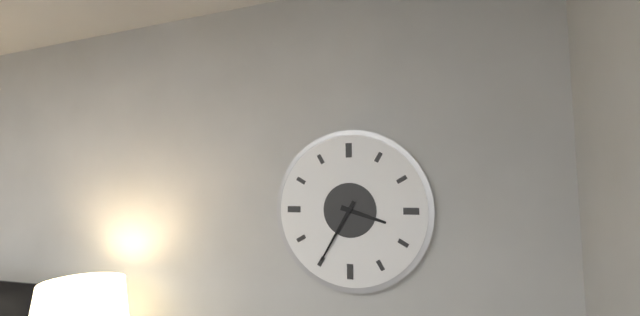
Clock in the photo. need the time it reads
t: 3:35
